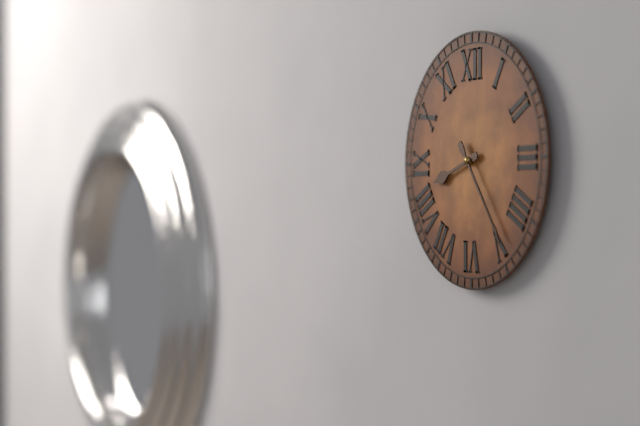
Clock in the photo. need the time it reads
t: 8:24
